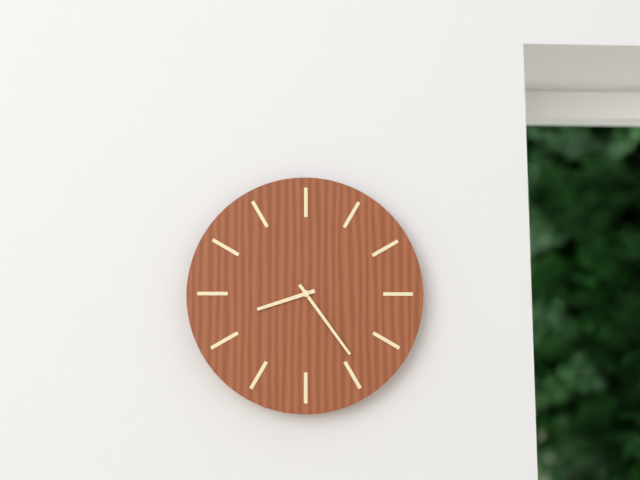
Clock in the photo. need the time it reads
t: 8:24
